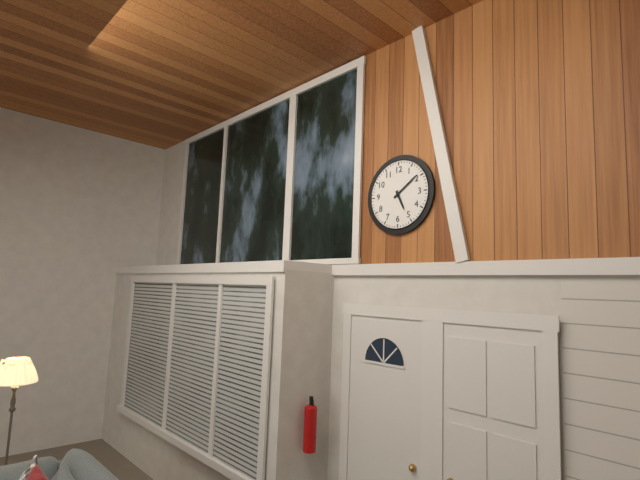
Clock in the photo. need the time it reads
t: 5:09
